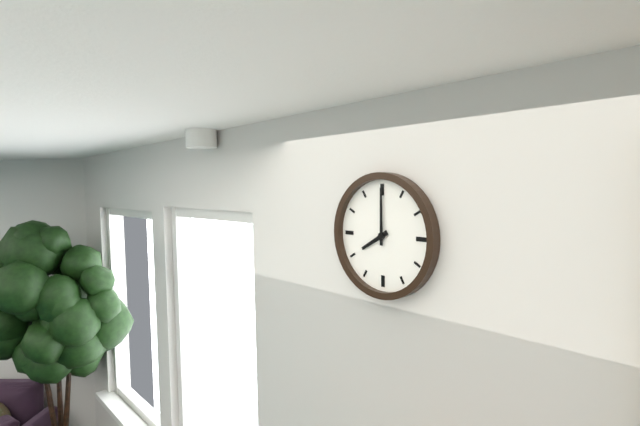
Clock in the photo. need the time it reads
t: 8:00
